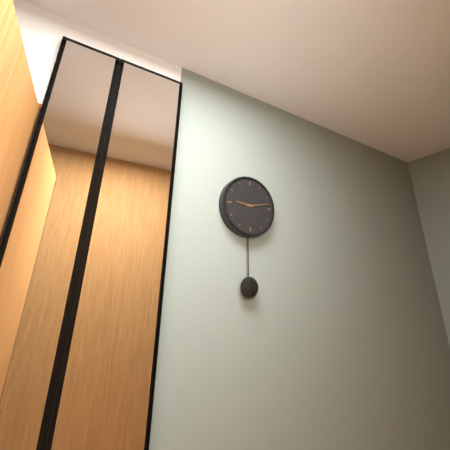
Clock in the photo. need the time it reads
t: 9:13
